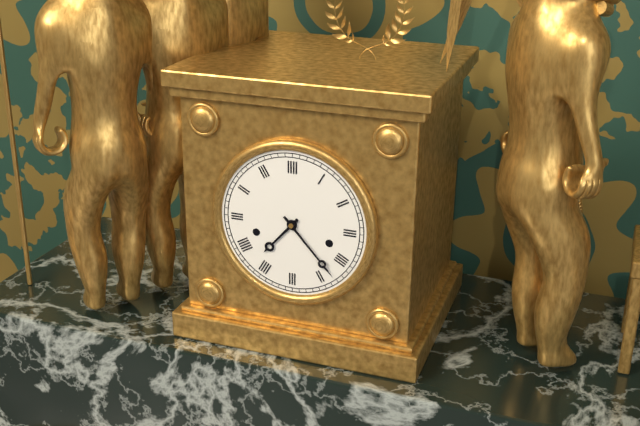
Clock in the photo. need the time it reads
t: 7:23
